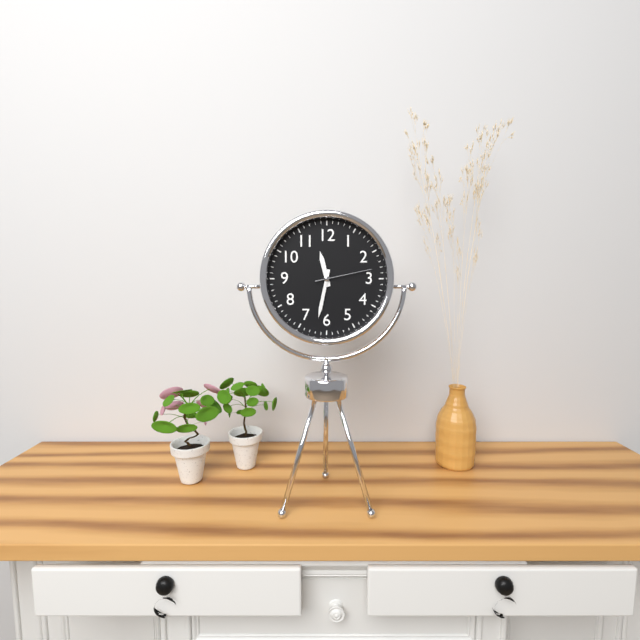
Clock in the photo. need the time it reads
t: 11:32:13
